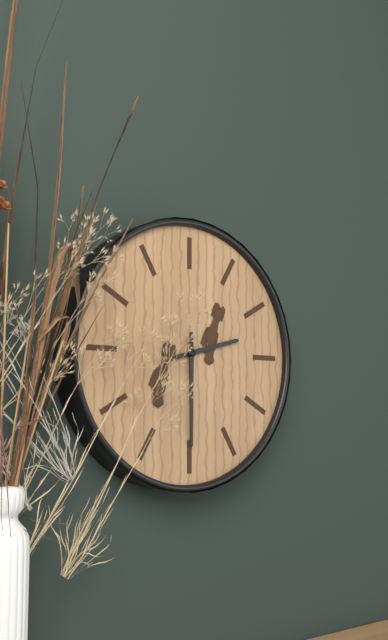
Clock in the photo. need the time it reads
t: 2:30
